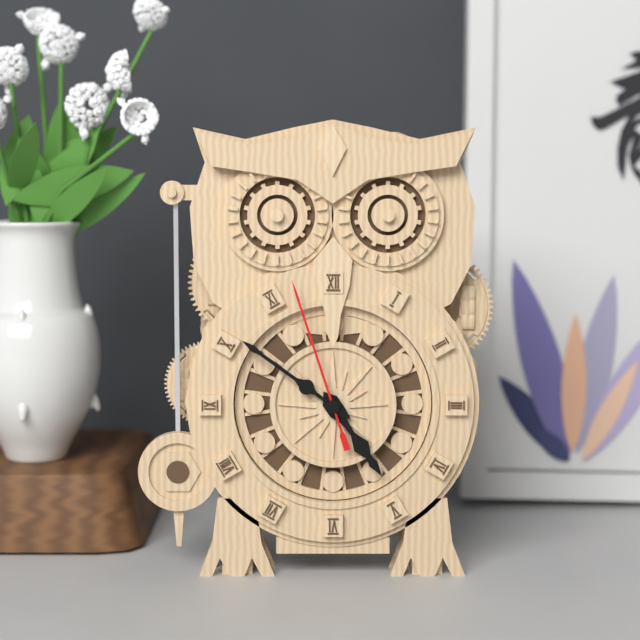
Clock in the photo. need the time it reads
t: 4:51:57
